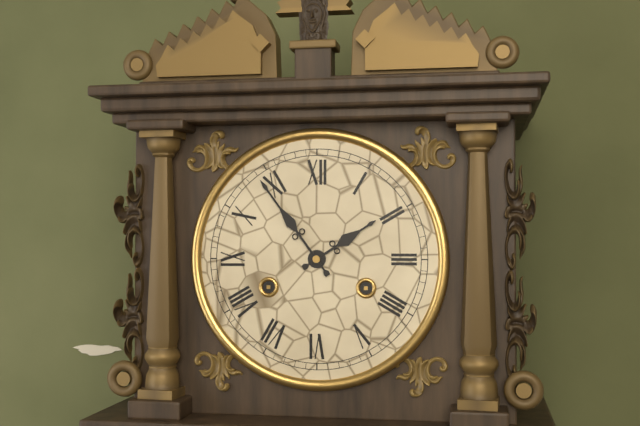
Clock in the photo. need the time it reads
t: 1:54
